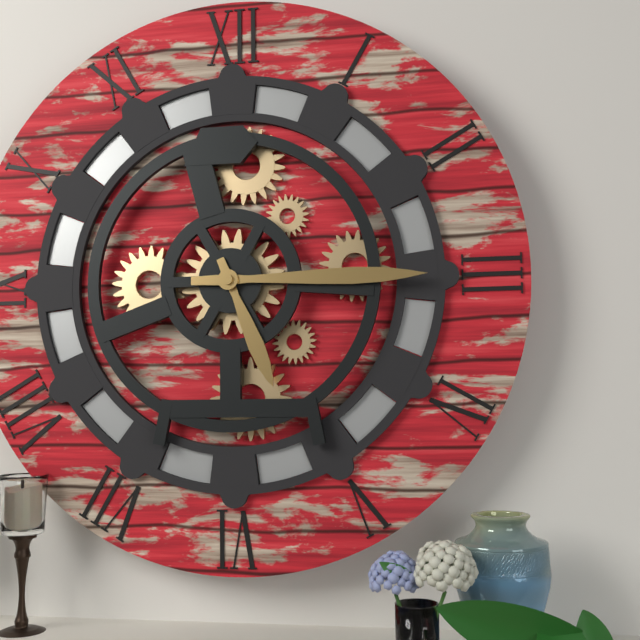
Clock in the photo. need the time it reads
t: 5:15
